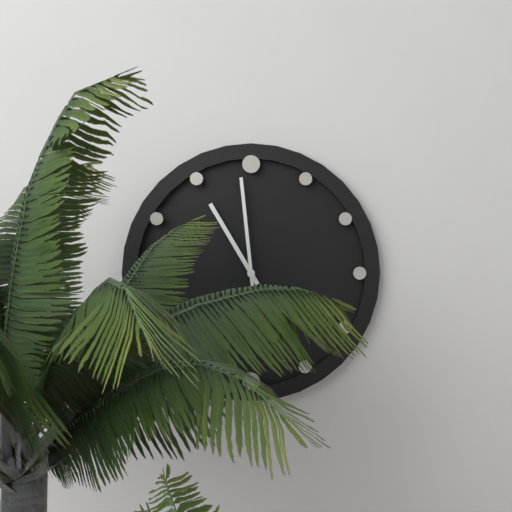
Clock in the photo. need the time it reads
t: 10:59
